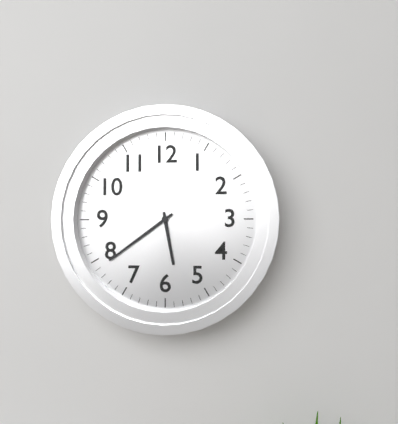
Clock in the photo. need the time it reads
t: 5:39
